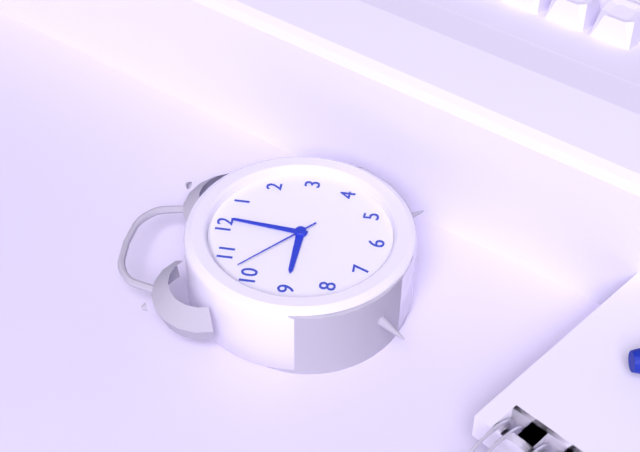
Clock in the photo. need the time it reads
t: 9:01:52
